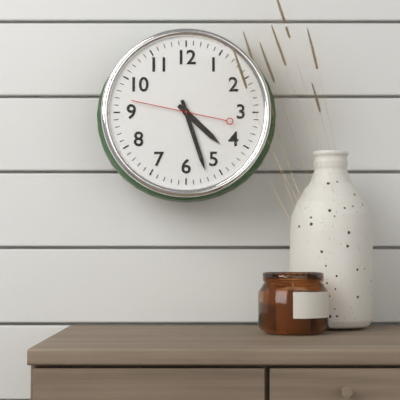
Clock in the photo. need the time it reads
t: 4:27:47
